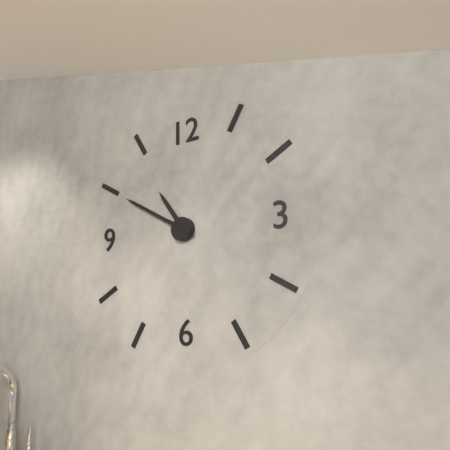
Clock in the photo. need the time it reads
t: 10:50
